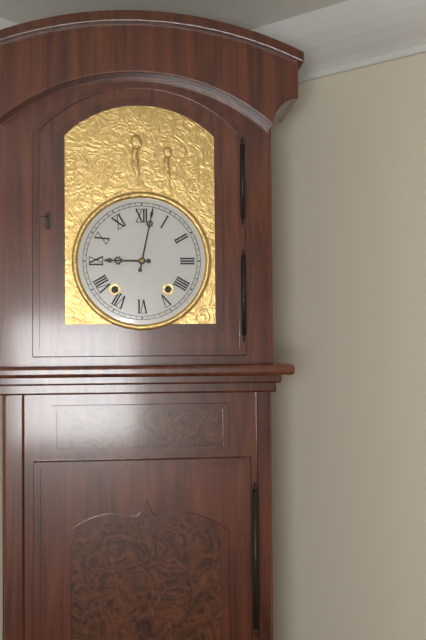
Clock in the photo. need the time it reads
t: 9:02
